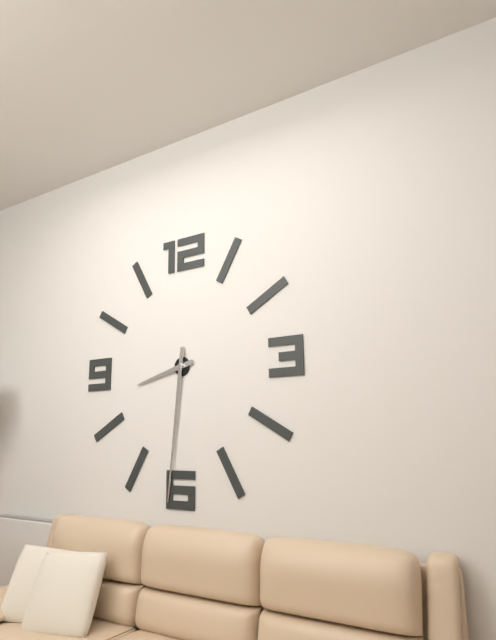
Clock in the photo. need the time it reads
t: 8:31
